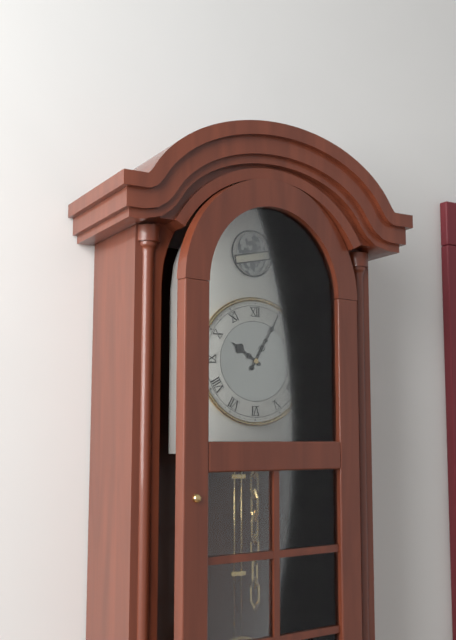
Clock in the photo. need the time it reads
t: 10:05
